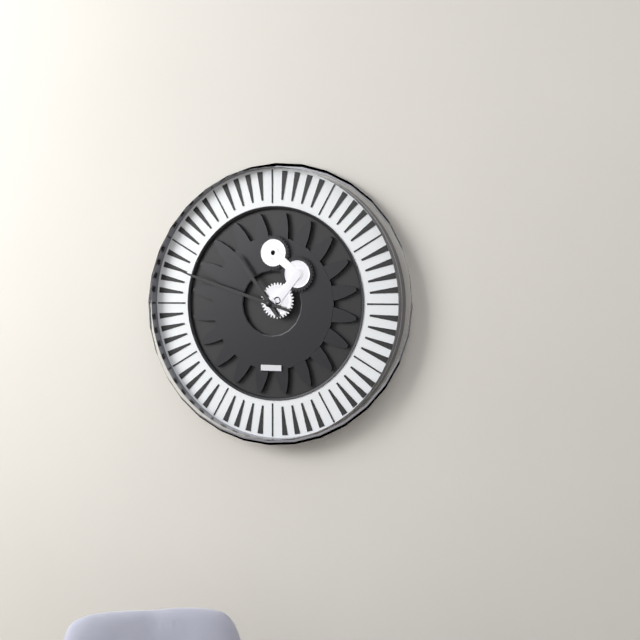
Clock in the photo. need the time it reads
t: 10:48
